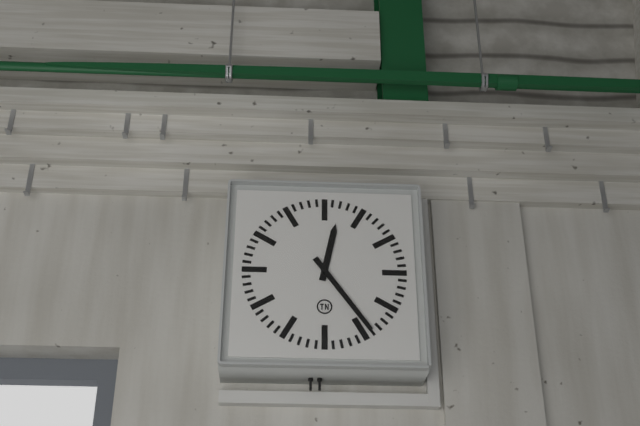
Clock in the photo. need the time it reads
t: 12:24
